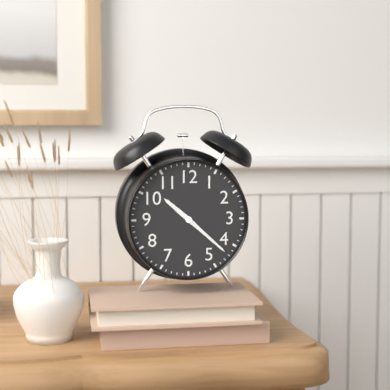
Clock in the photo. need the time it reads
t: 10:22
